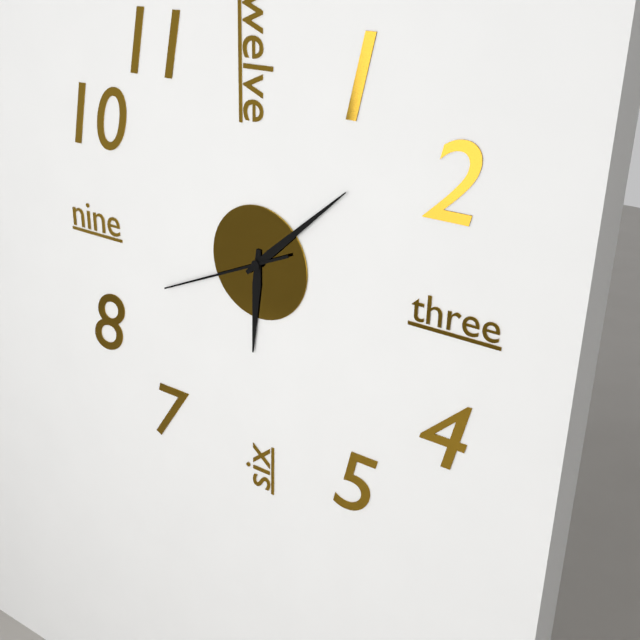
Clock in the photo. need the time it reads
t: 6:08:41
